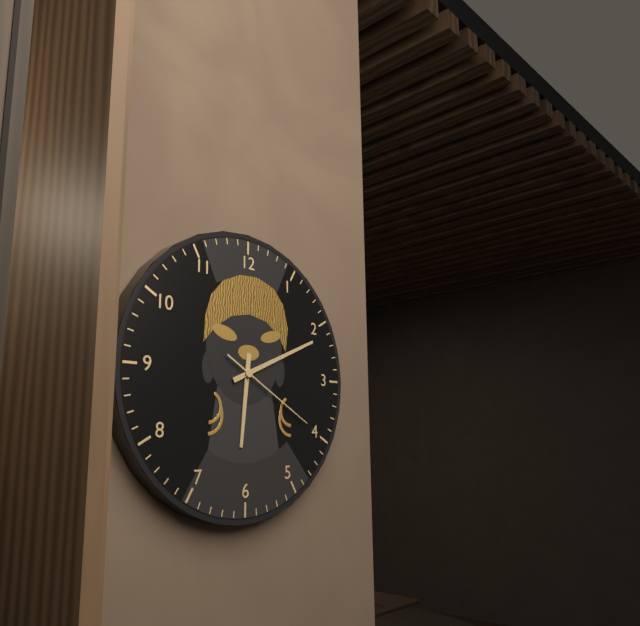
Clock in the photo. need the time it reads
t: 6:11:20
